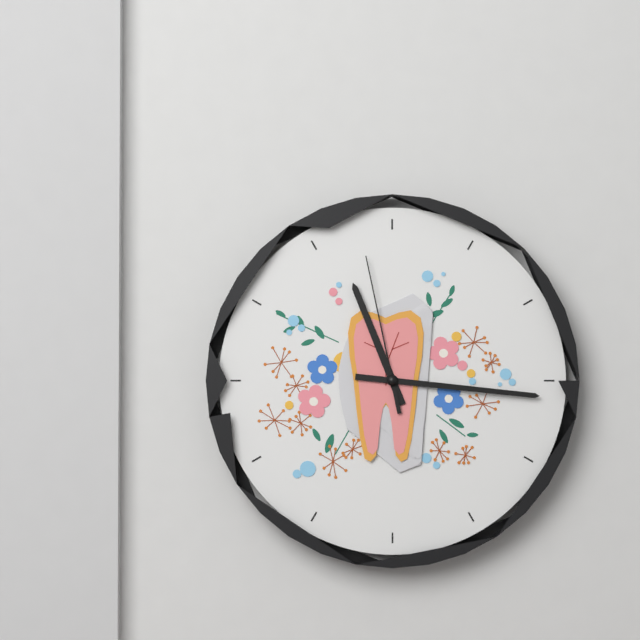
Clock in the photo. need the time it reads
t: 11:16:58
